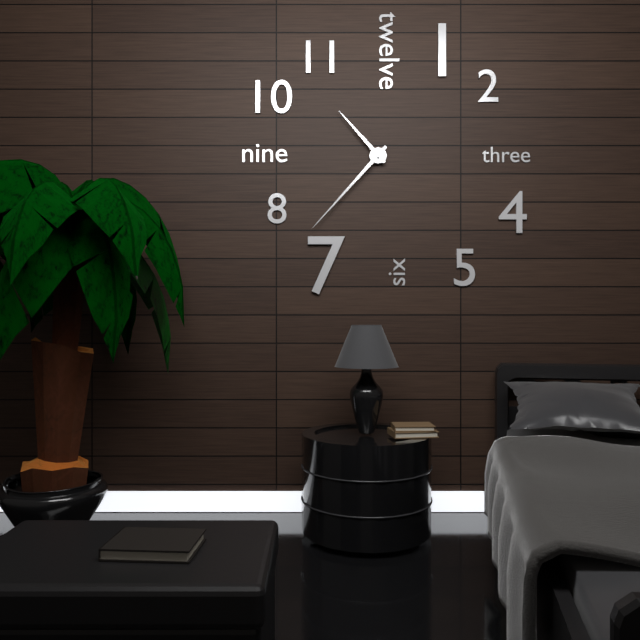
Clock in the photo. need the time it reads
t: 10:37
